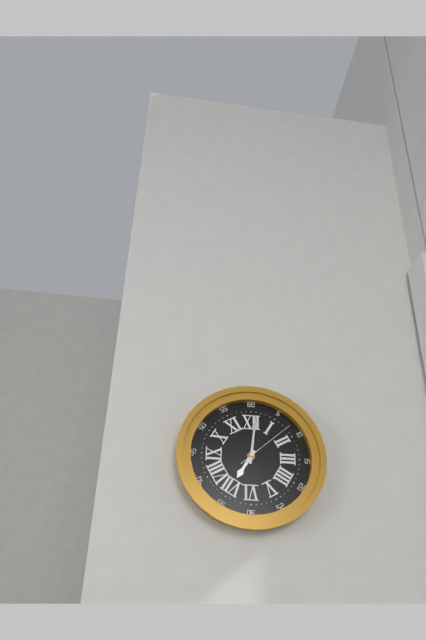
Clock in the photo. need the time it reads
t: 7:01:08
